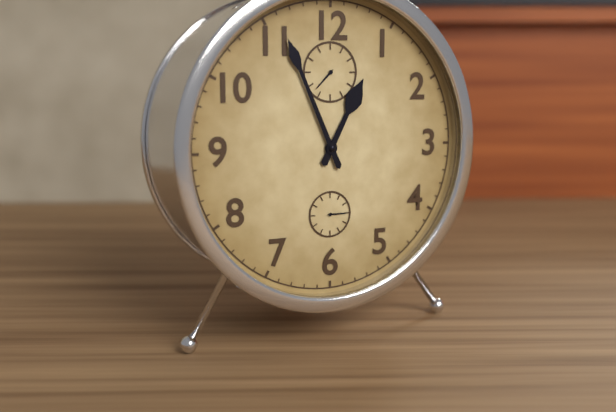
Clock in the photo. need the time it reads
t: 12:56
